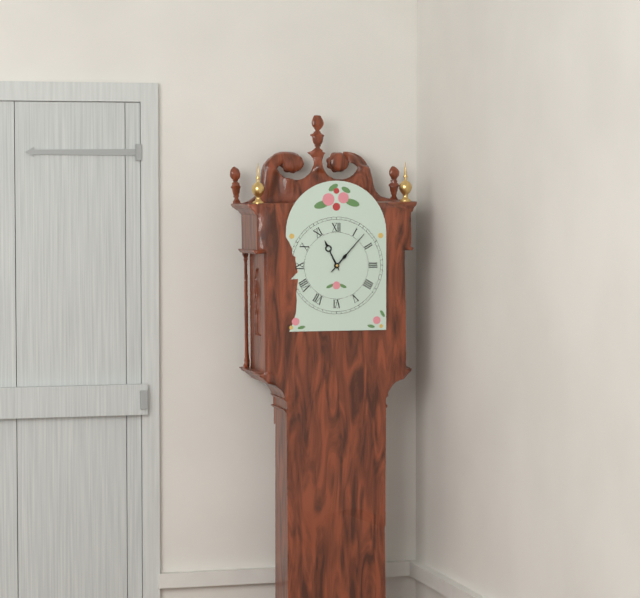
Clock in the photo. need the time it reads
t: 11:07
